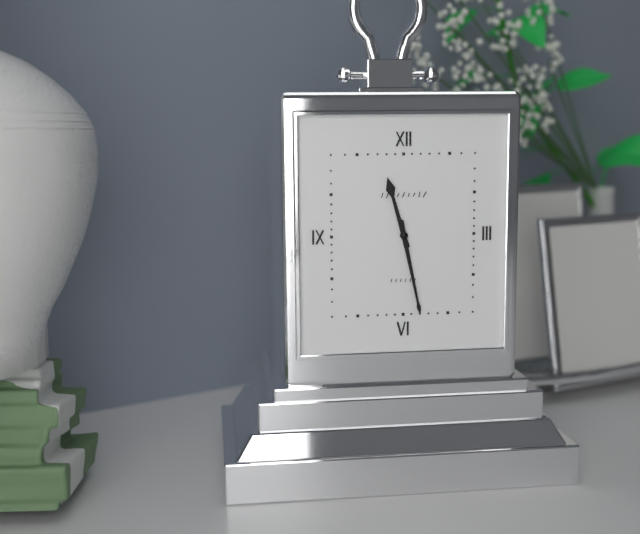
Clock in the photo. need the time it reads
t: 11:28
